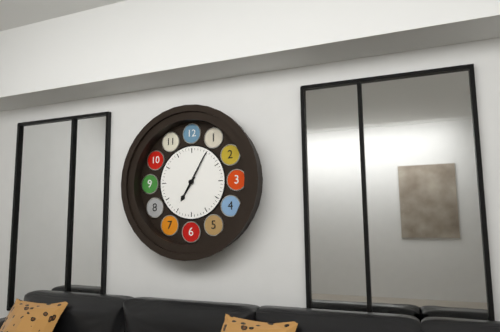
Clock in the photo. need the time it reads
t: 7:05
